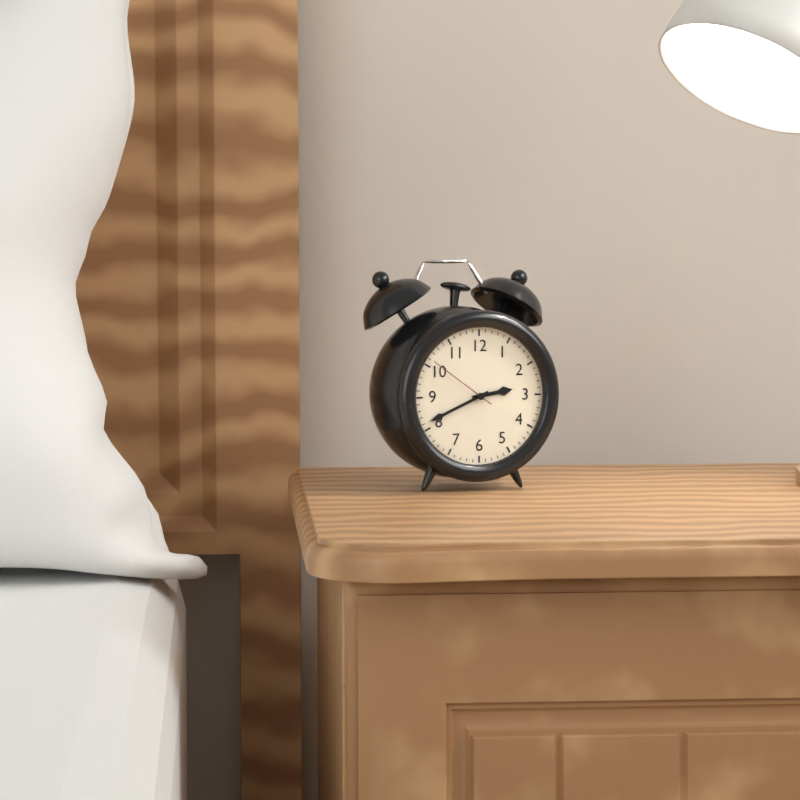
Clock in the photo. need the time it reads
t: 2:41:51
